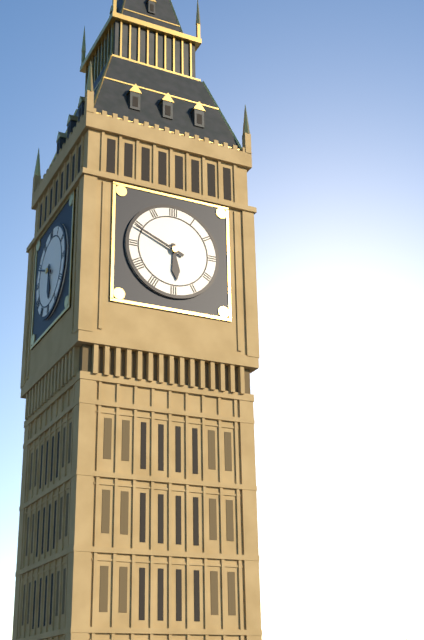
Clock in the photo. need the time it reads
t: 5:49
